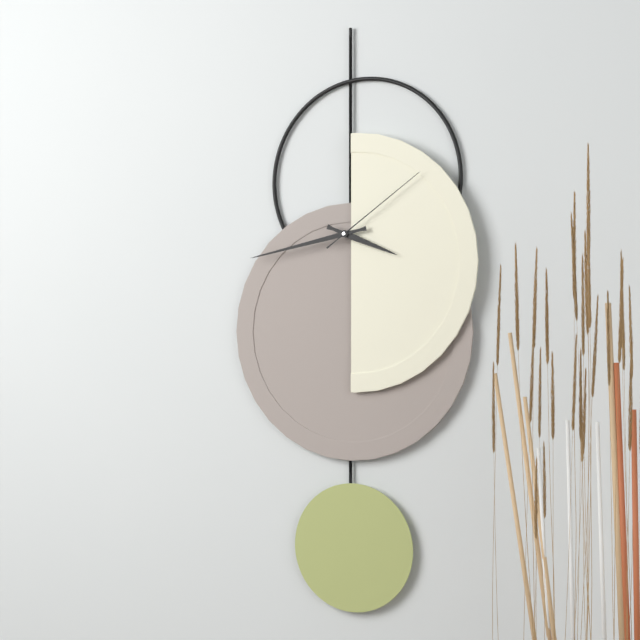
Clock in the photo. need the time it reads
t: 3:43:09
